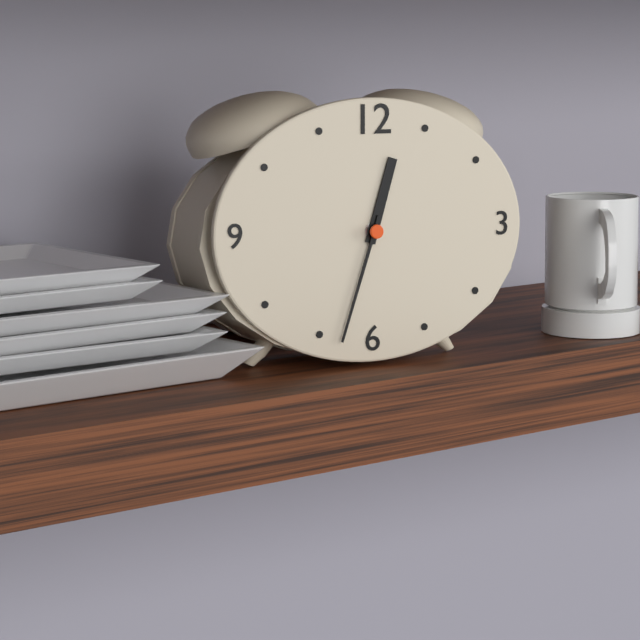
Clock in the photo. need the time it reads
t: 12:33
